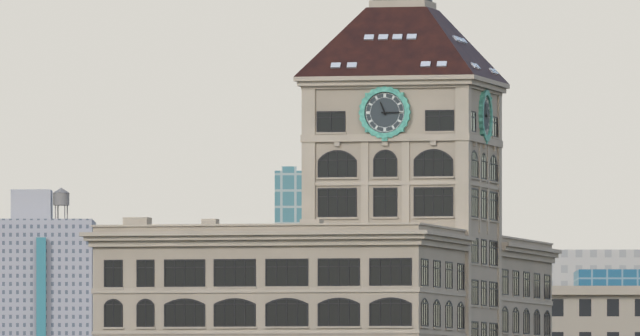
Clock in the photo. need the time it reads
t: 11:15
